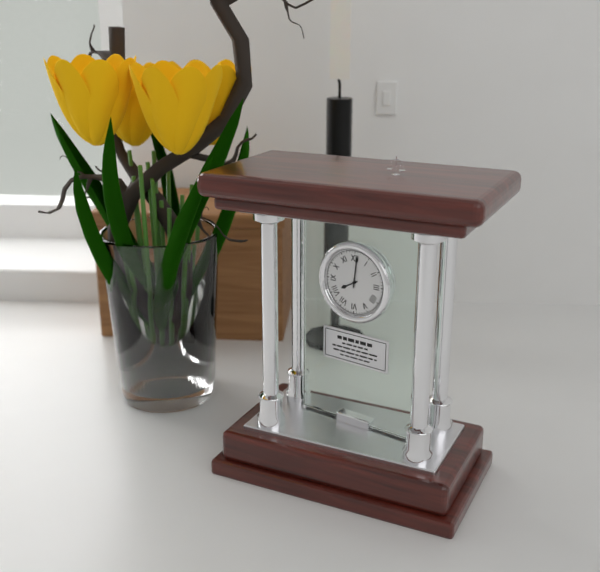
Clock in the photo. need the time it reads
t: 8:01
